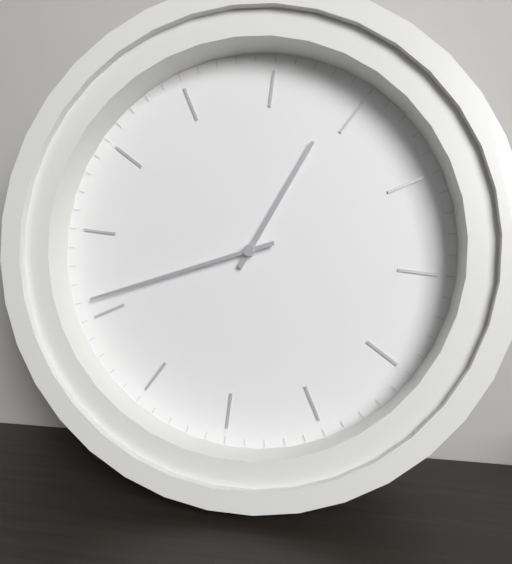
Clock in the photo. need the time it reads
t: 1:46
